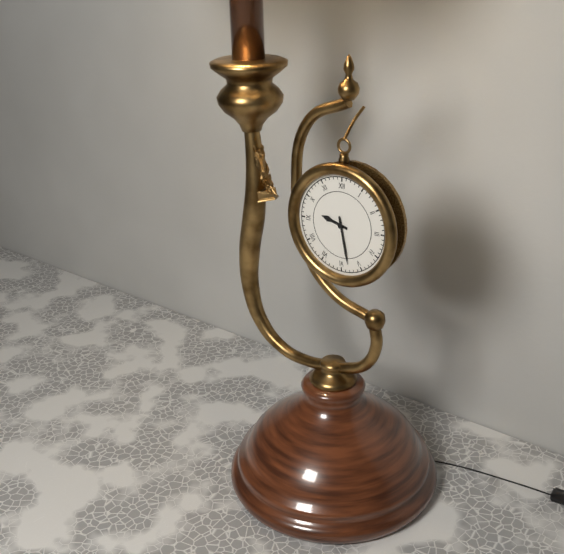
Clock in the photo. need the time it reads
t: 9:28
